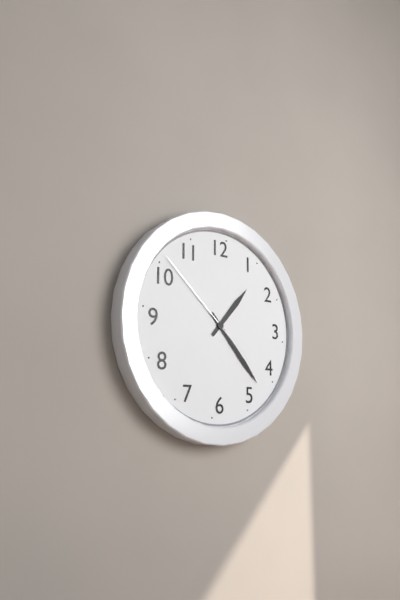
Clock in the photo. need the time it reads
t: 1:23:52
